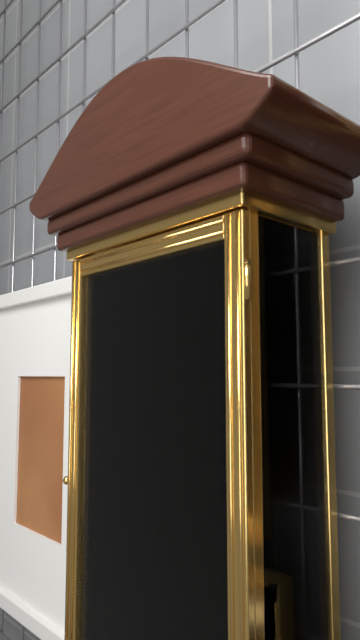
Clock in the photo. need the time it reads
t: 8:30
